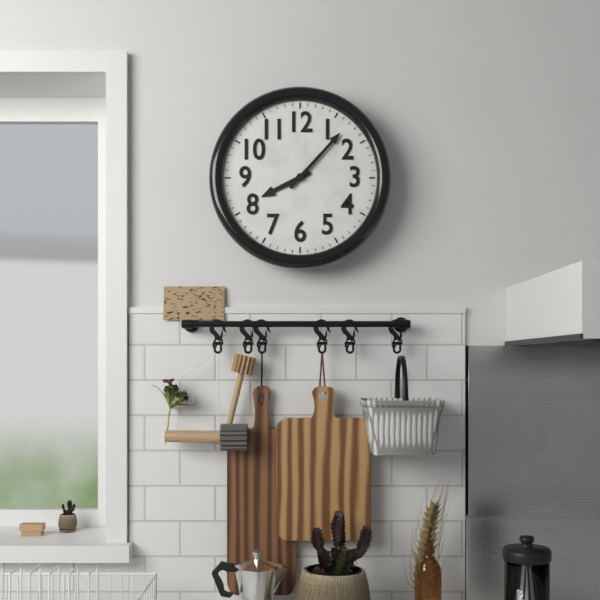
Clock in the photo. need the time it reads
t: 8:07
